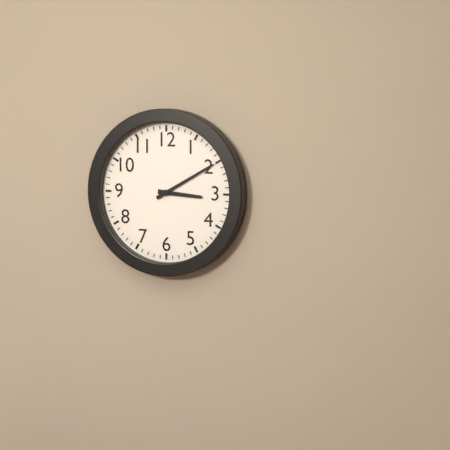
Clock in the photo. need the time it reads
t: 3:10
